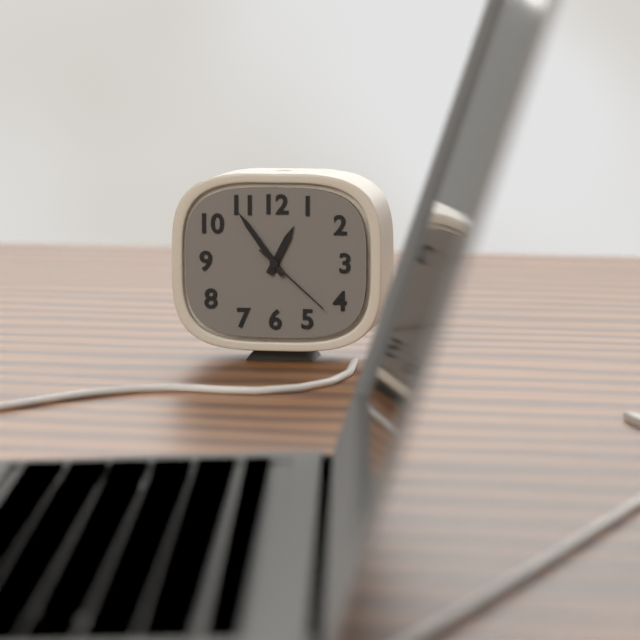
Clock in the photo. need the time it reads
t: 12:54:22
